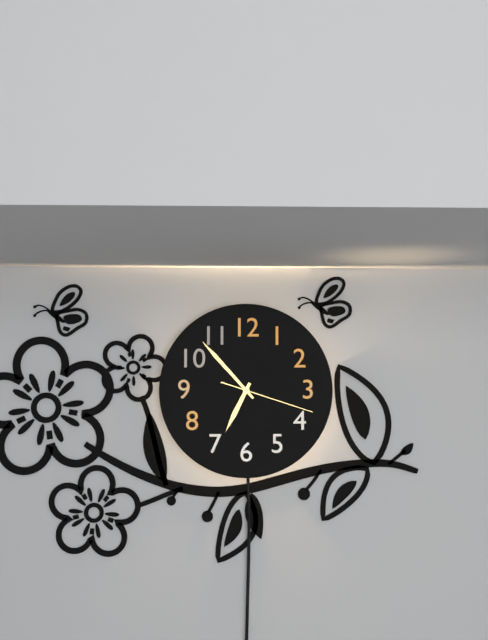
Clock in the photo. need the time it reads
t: 6:53:18
